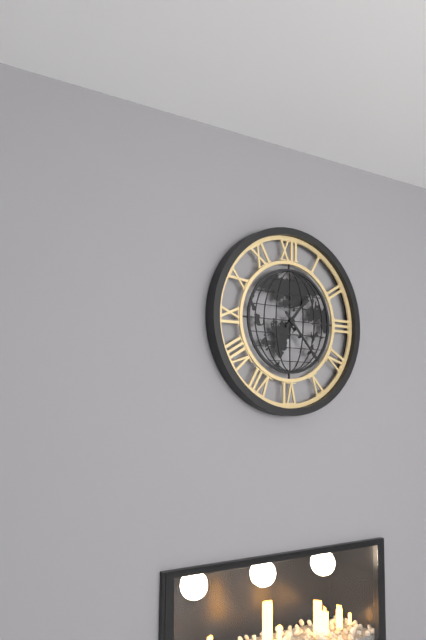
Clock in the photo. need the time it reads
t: 1:23
